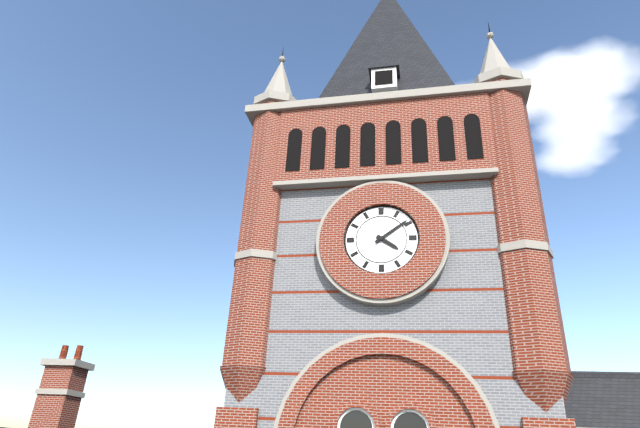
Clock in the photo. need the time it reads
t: 4:09
